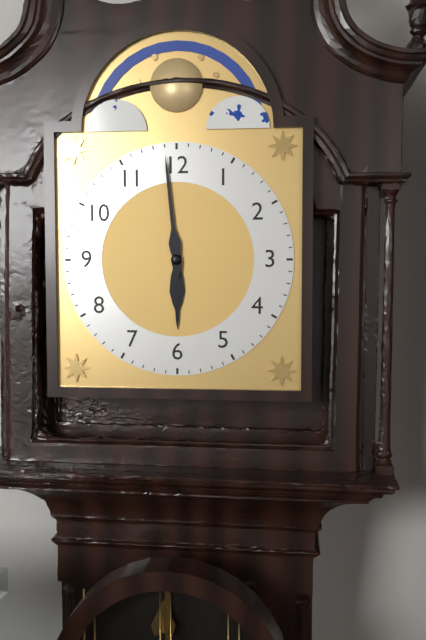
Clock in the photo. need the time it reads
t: 5:59
